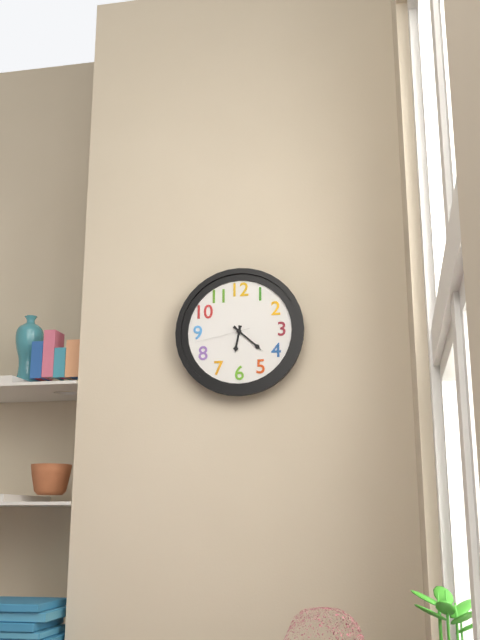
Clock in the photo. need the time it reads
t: 6:22:43
